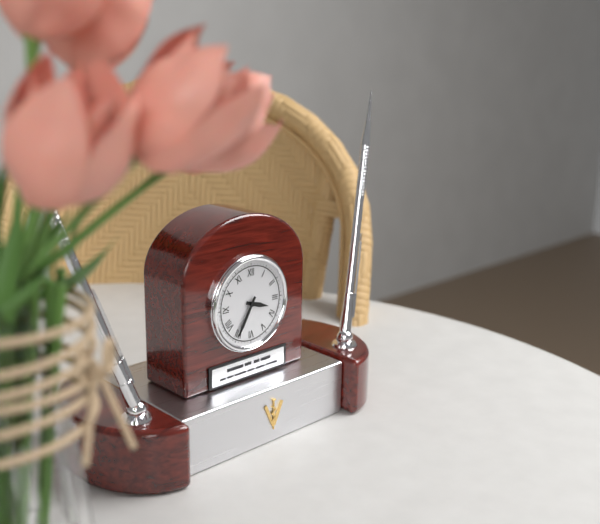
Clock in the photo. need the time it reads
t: 3:35
